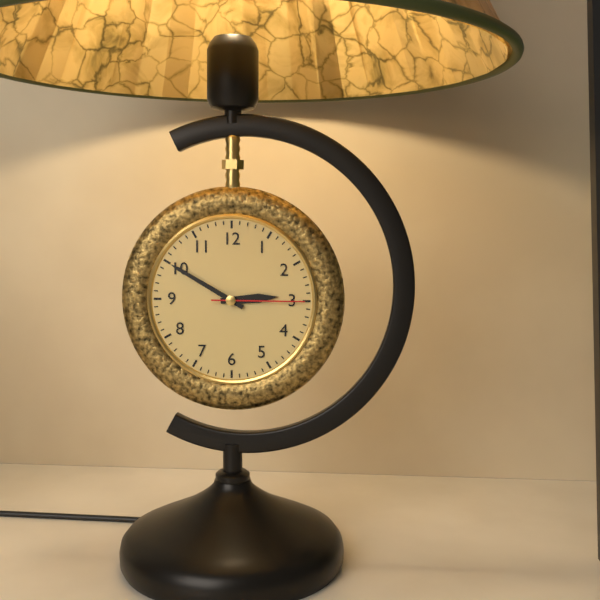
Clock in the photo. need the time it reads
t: 2:50:15
